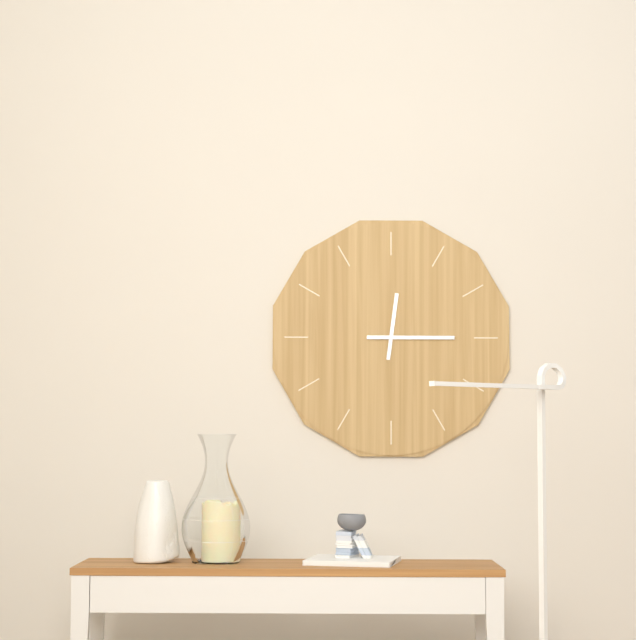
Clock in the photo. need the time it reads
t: 12:15
